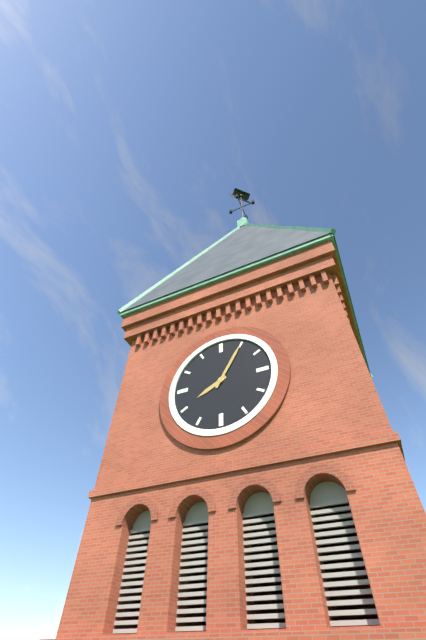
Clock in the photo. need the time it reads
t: 8:05
